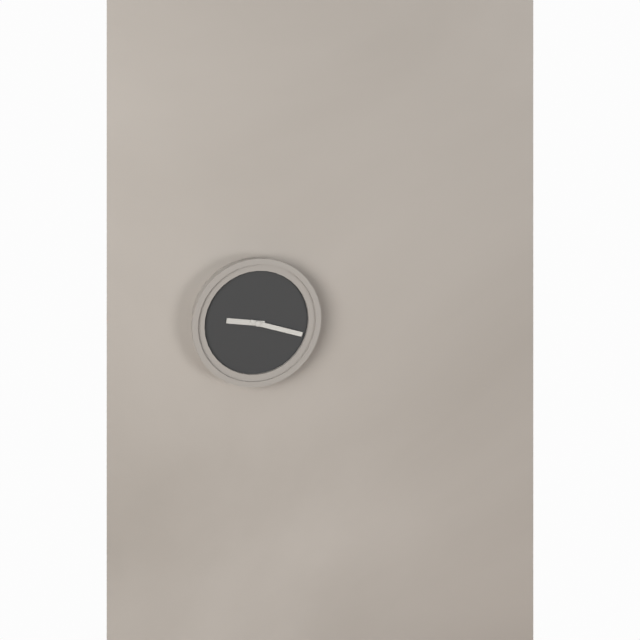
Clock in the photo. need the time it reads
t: 9:18
